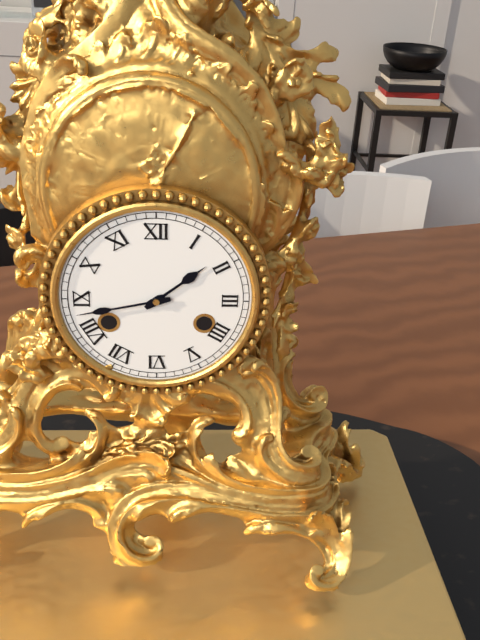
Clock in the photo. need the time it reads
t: 1:43
